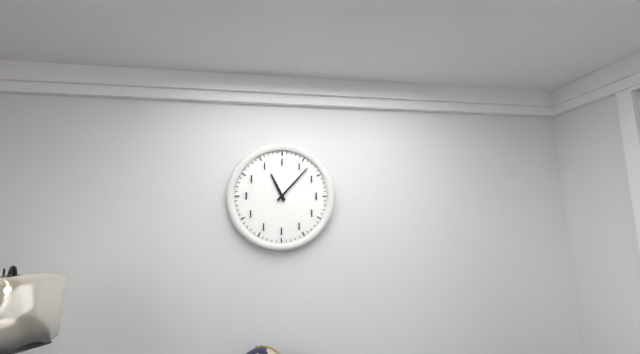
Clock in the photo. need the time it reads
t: 11:07
